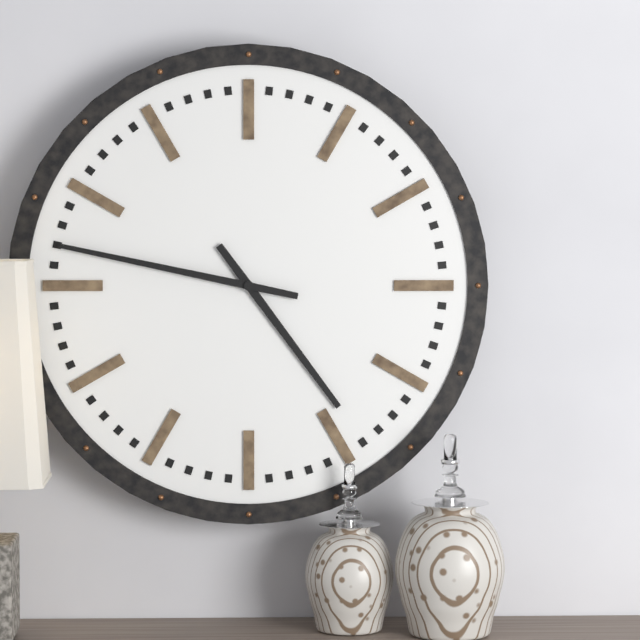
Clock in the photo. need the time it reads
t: 4:47
